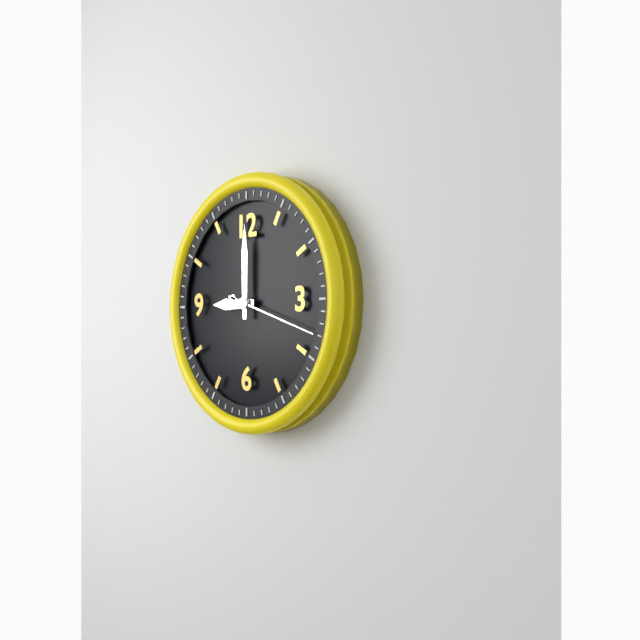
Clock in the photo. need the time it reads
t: 9:00:18
